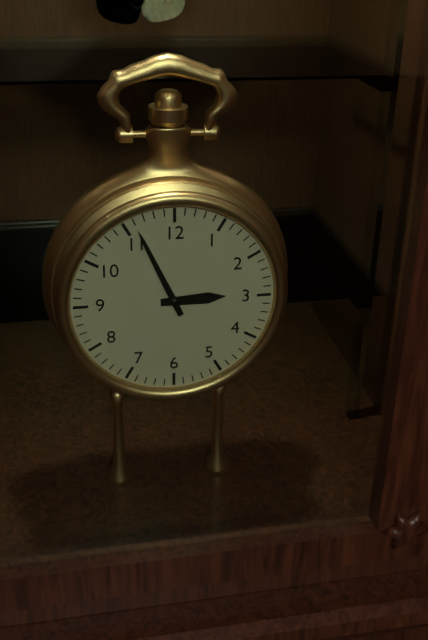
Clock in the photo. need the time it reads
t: 2:56
